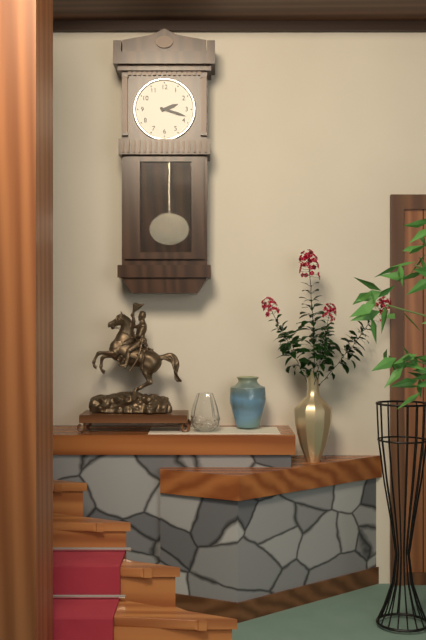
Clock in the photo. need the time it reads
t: 2:18
